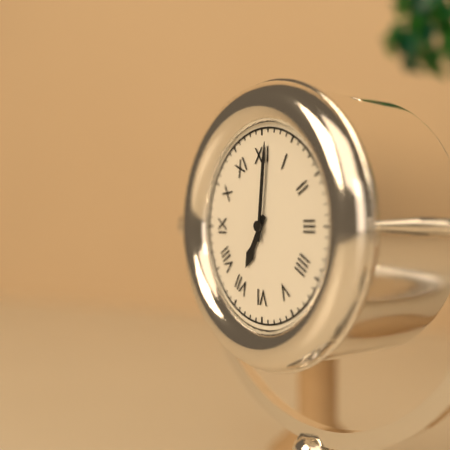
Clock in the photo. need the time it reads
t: 7:01
